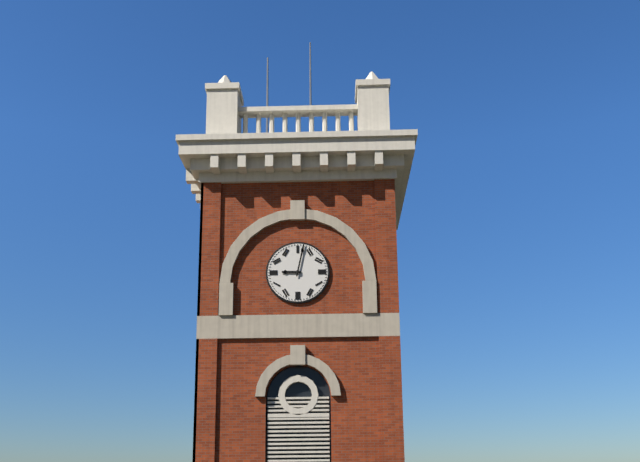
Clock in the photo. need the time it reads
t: 9:02
